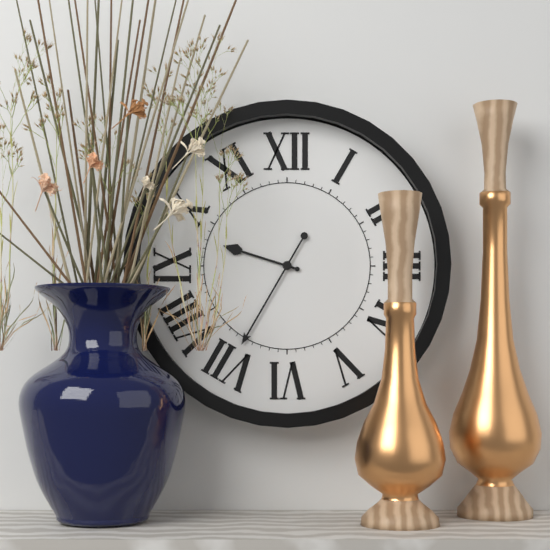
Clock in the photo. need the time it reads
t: 9:35
